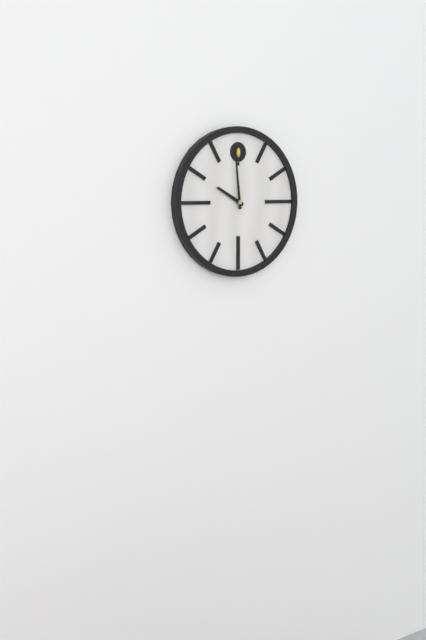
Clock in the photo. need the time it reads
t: 9:59
